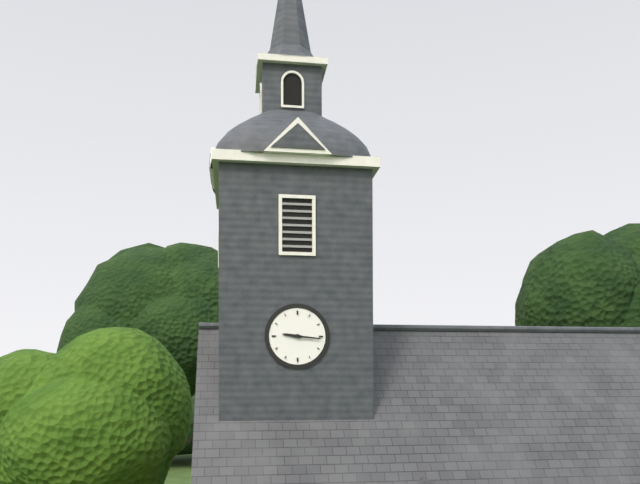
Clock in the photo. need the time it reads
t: 9:16
